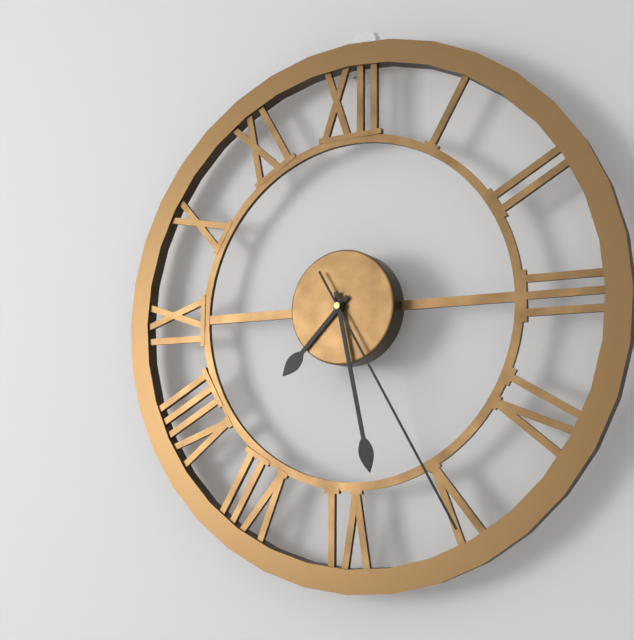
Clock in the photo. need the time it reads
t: 7:28:25
